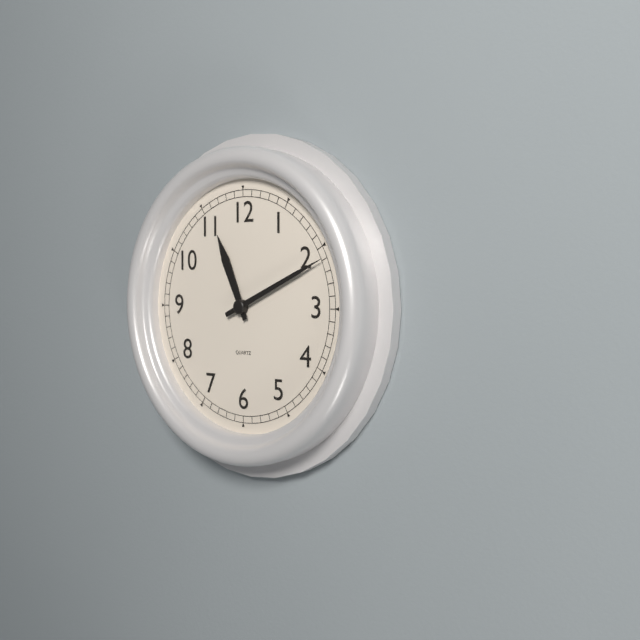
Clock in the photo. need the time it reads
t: 11:11
